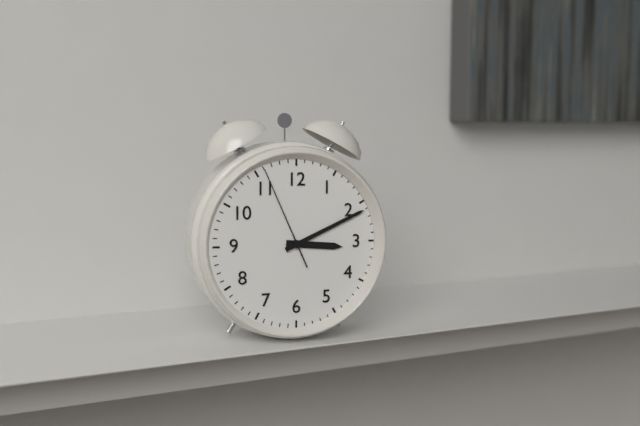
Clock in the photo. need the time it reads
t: 3:11:56
